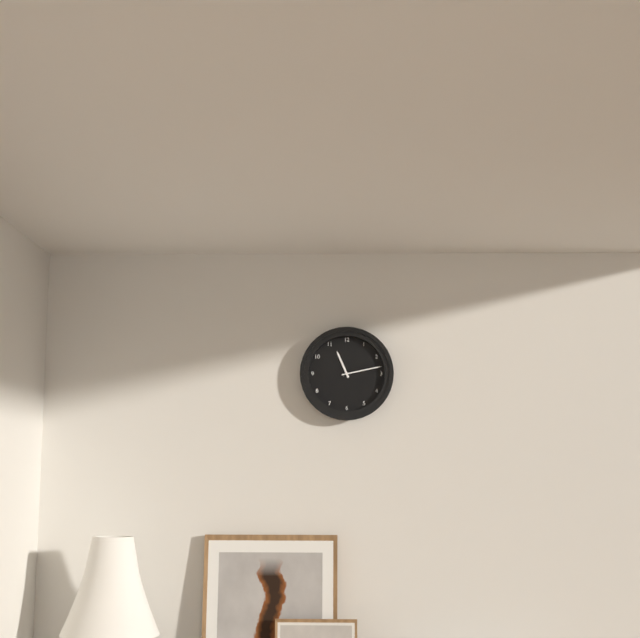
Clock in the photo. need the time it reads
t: 11:13
